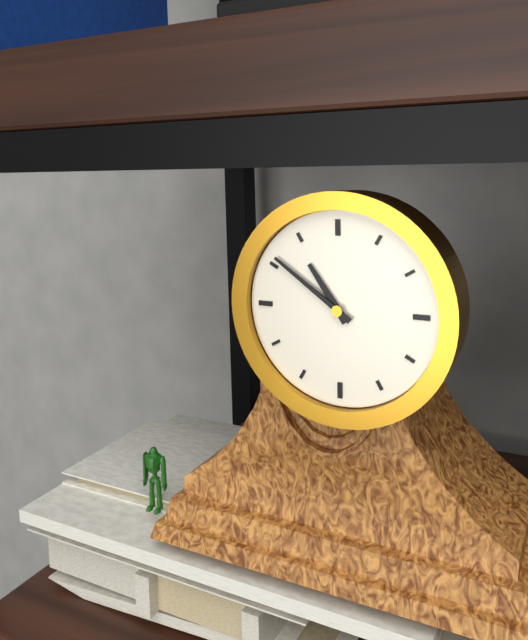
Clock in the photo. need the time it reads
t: 10:51
